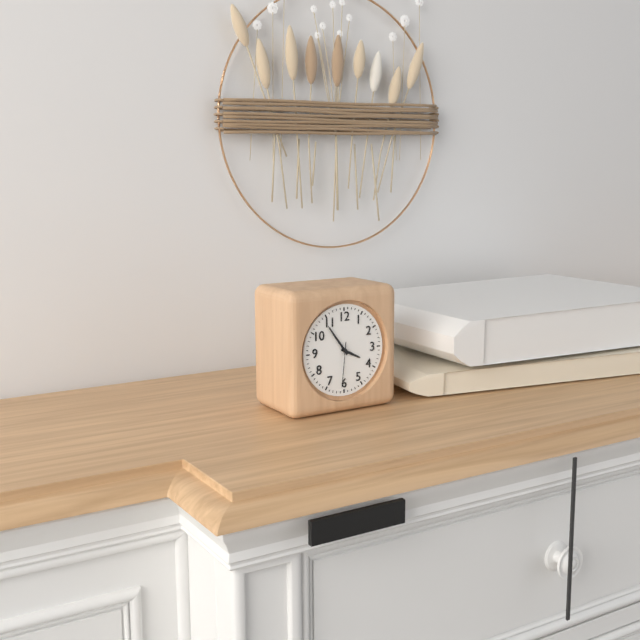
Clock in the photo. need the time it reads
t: 3:54
